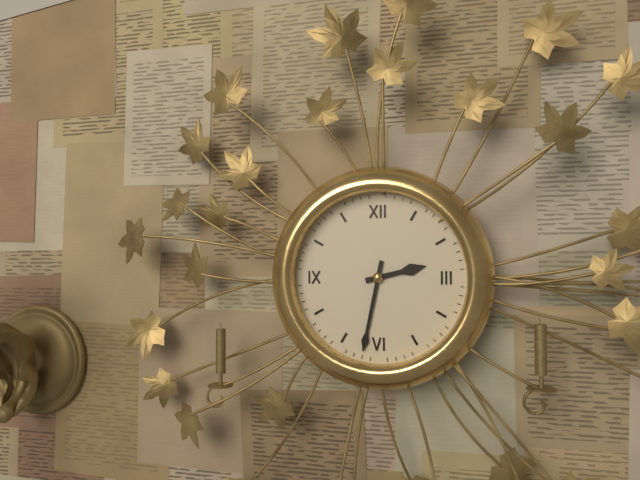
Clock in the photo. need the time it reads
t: 2:32
